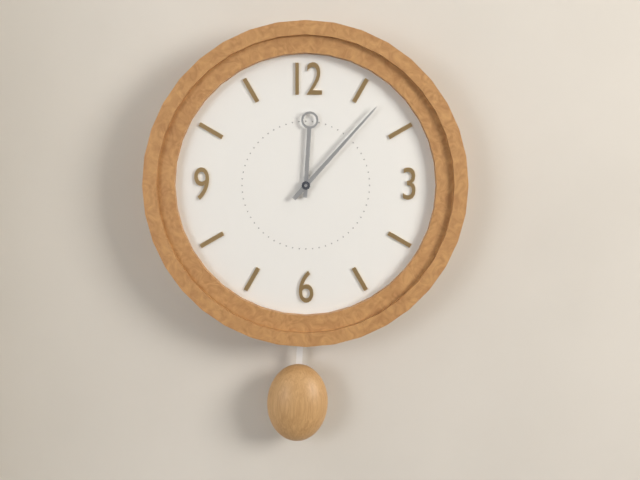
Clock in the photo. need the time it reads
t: 12:07
